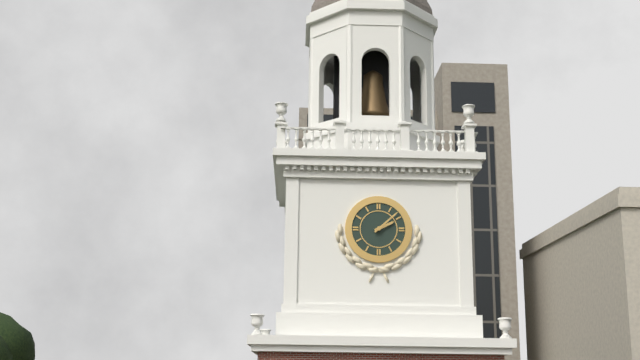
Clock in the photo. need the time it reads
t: 2:08
